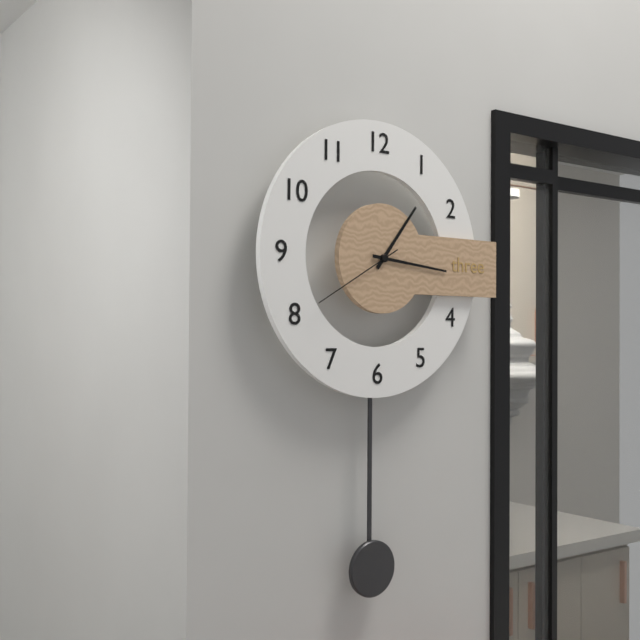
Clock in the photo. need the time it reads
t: 1:16:40
